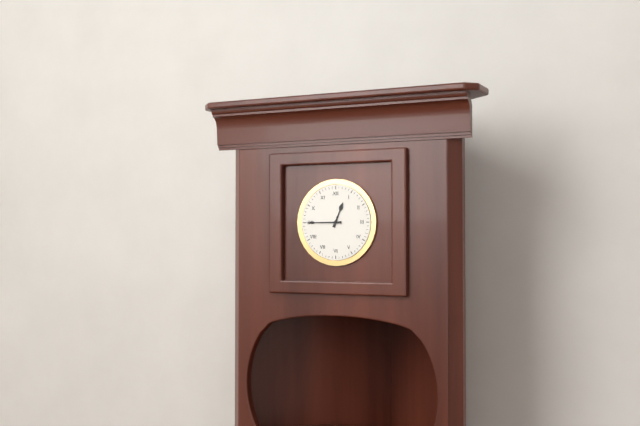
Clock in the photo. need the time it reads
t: 12:45
